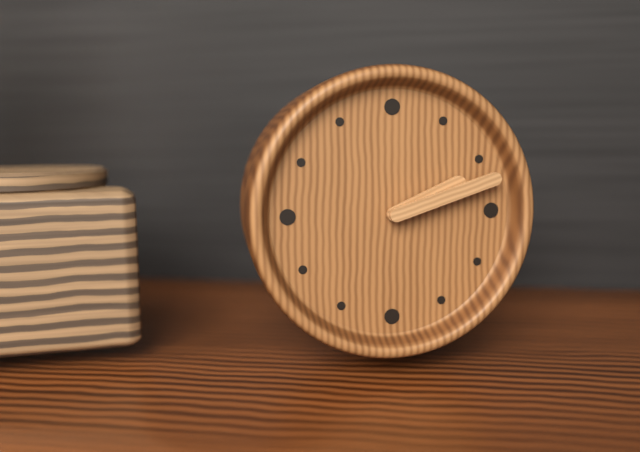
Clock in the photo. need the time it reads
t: 2:12
